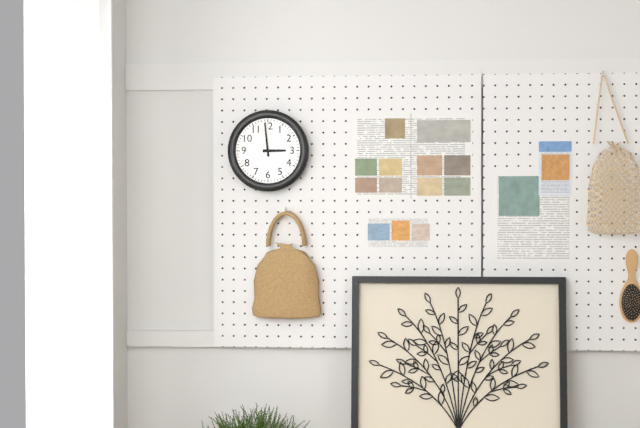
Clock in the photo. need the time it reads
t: 2:59
